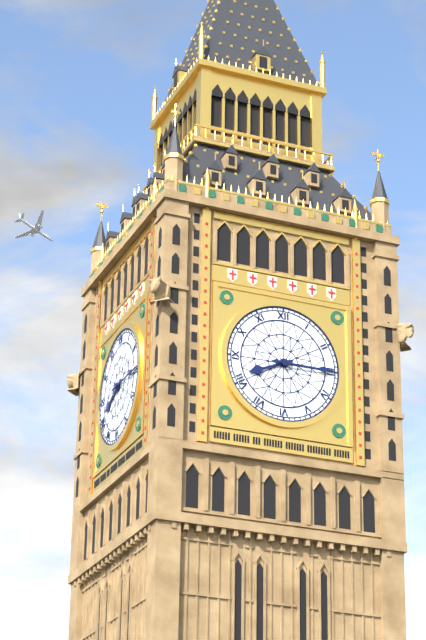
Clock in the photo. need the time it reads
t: 8:15
